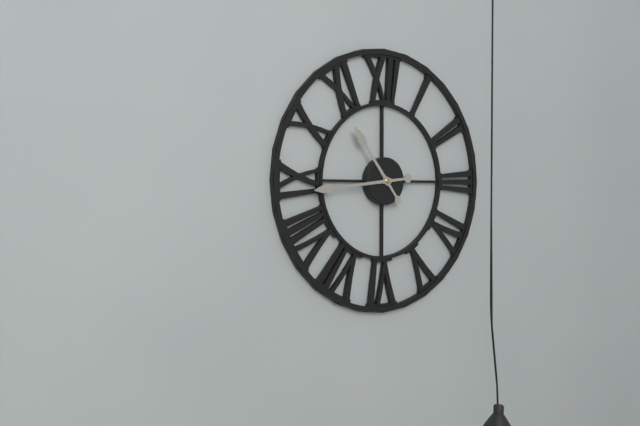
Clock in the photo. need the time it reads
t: 10:44
